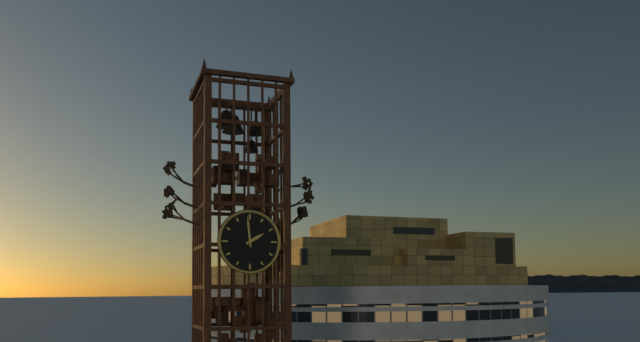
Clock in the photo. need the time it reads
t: 1:59
